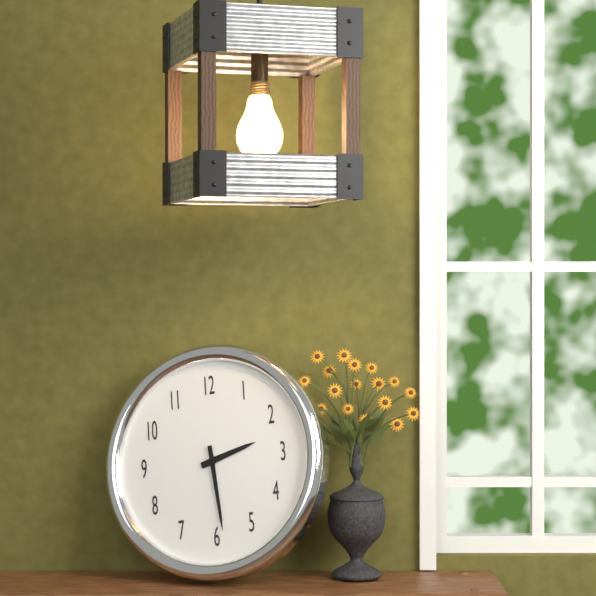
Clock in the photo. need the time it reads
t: 2:29
